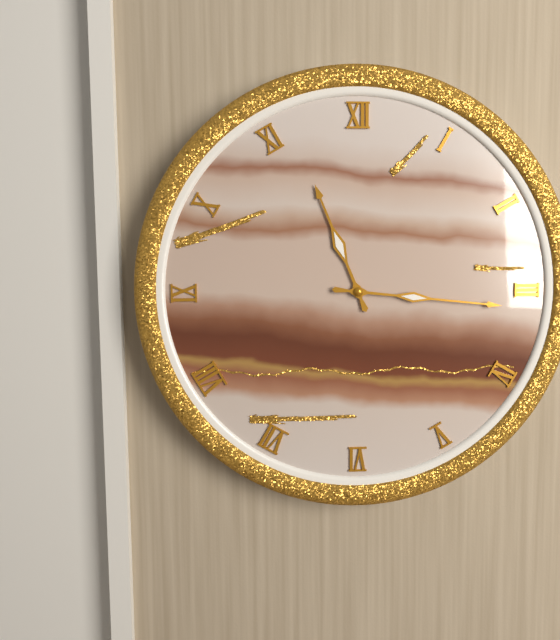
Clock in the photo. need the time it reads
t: 11:16
